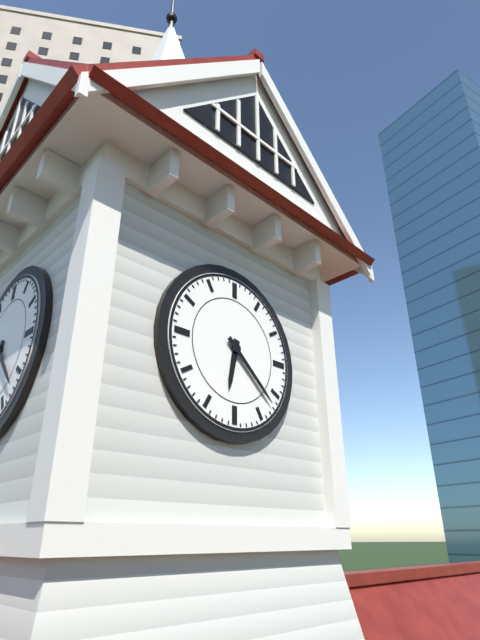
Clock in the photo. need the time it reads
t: 6:22
